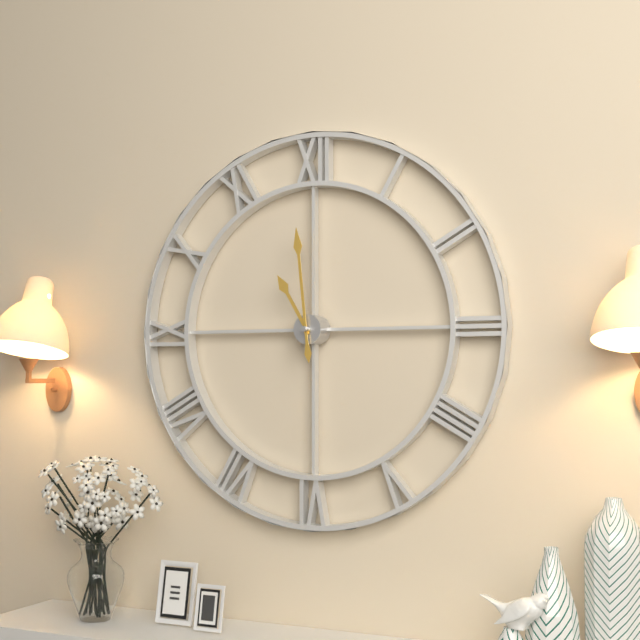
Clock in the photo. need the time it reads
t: 10:59
